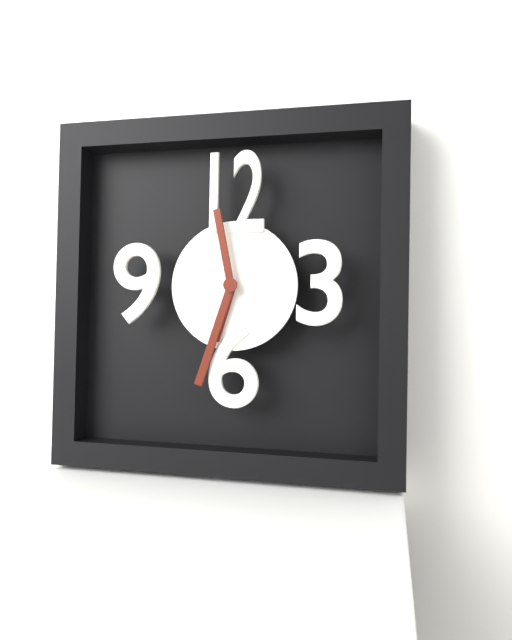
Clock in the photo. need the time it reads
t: 6:33:58
